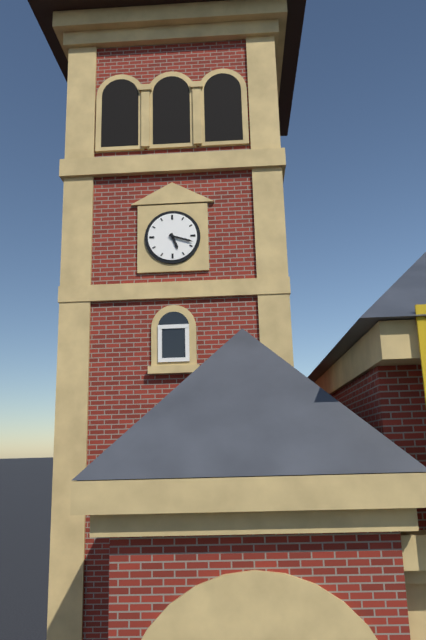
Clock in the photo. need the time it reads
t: 5:18
